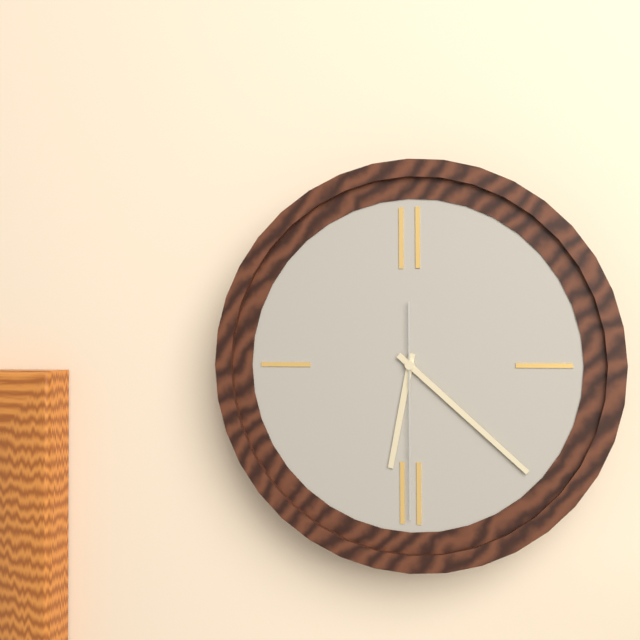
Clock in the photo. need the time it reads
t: 6:22:30
